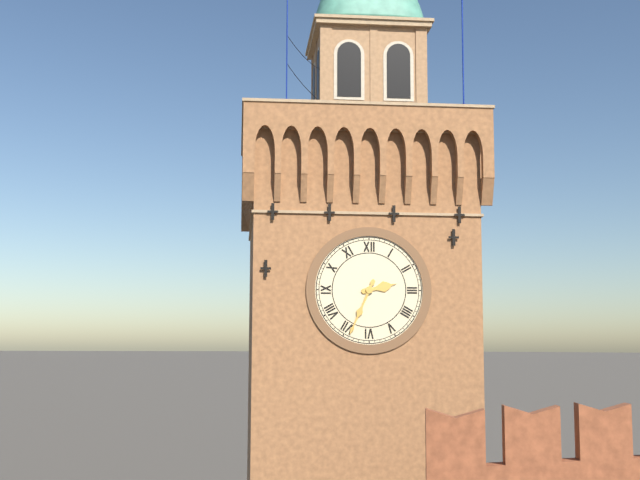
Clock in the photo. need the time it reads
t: 2:34
